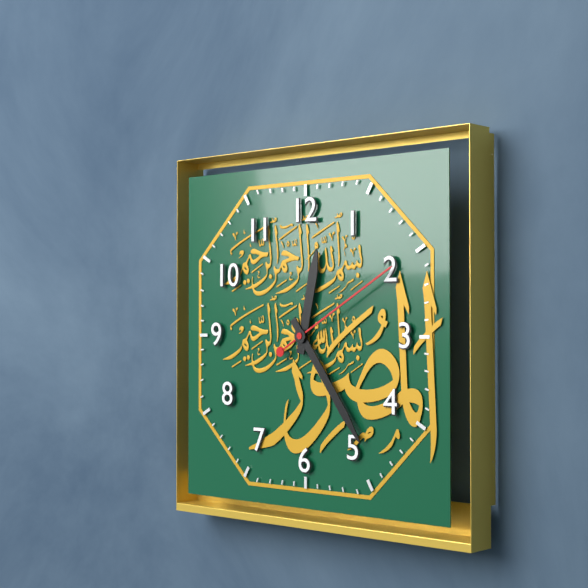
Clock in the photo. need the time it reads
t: 12:24:10
